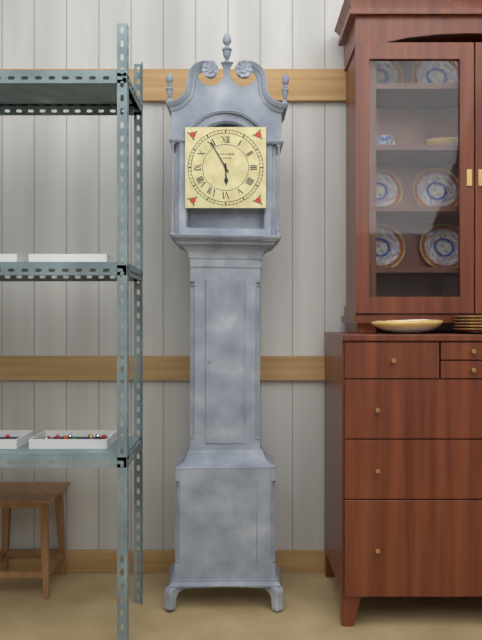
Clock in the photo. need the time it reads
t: 5:55
